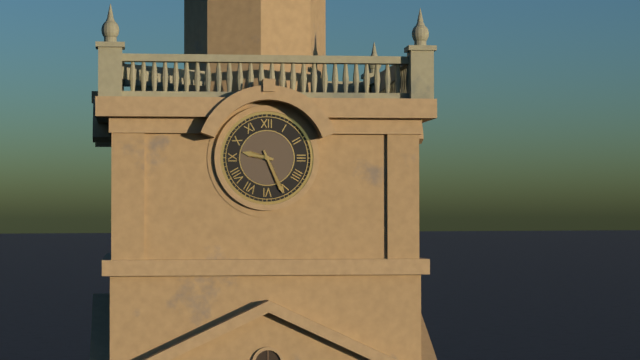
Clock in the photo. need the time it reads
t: 9:26
